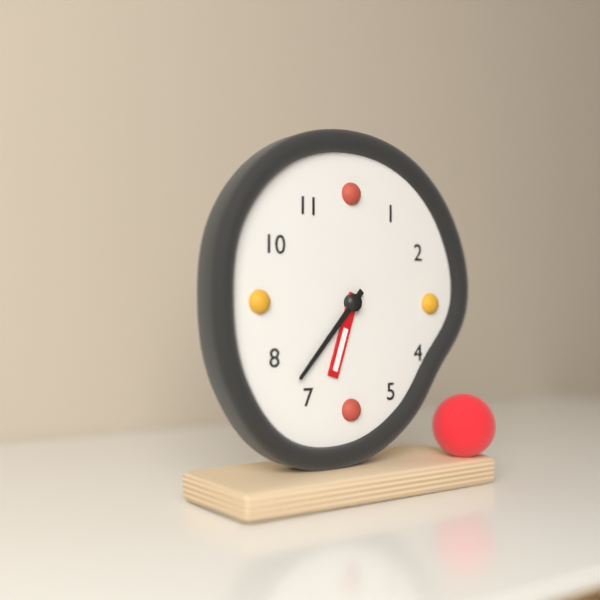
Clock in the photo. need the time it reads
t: 6:37
